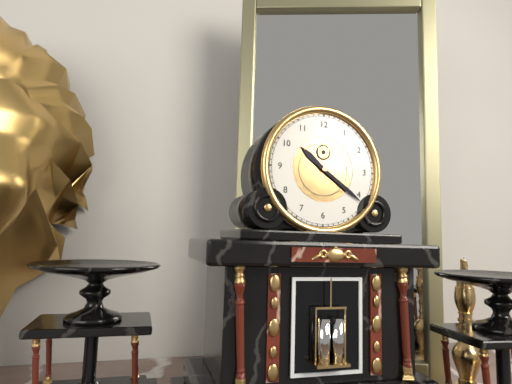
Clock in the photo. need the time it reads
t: 10:21
